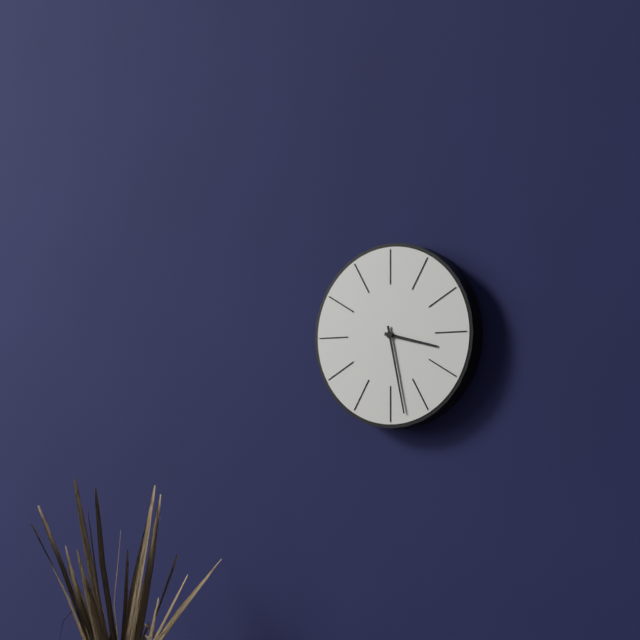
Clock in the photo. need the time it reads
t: 3:28
